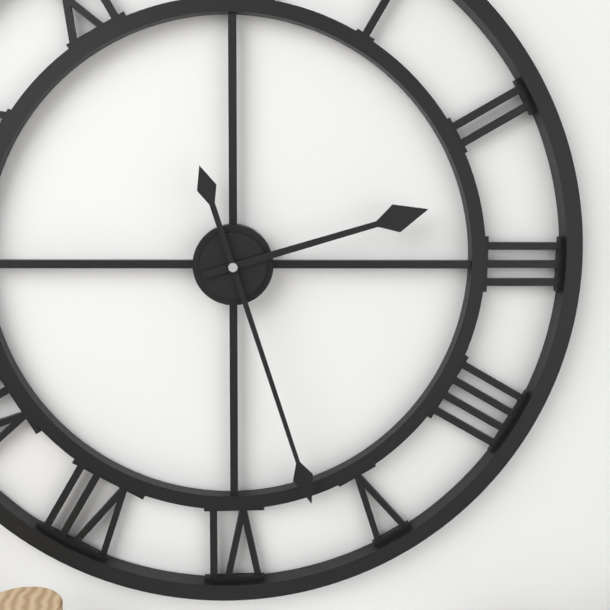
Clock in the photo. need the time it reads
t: 2:27
